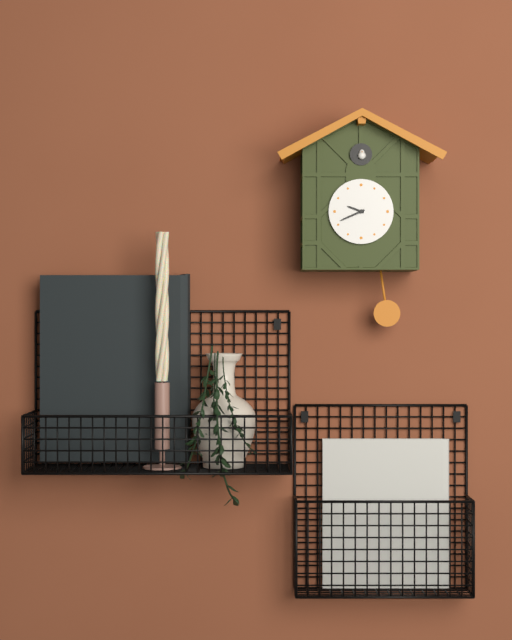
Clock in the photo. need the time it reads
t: 9:41
